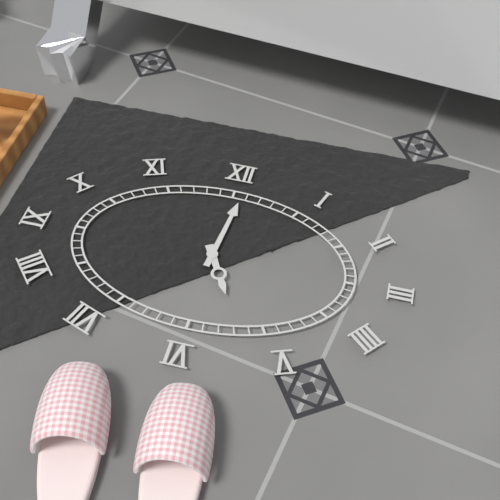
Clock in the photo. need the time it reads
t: 5:01
